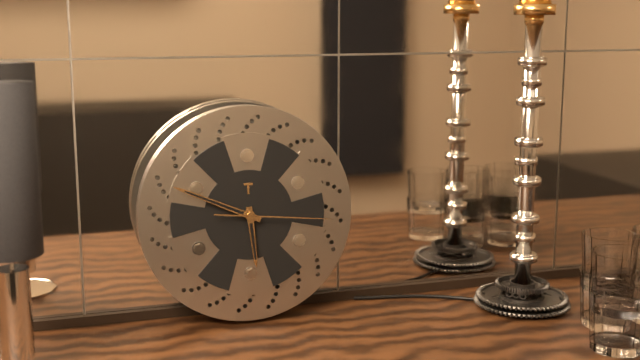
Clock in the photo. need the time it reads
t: 5:49:16
